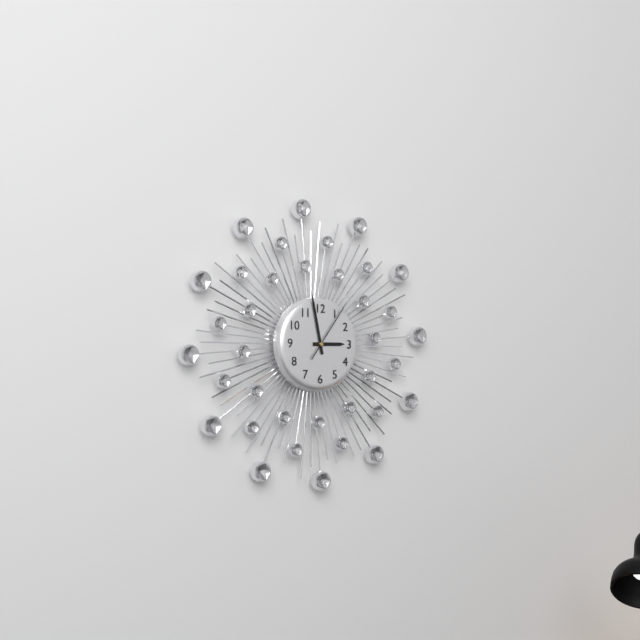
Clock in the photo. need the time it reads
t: 2:58:06
